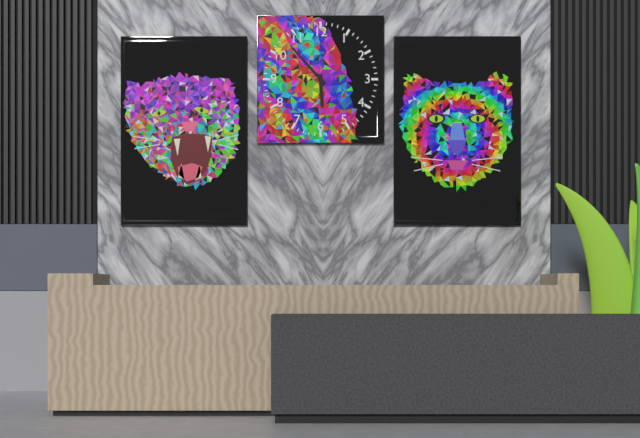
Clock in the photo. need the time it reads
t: 5:53
